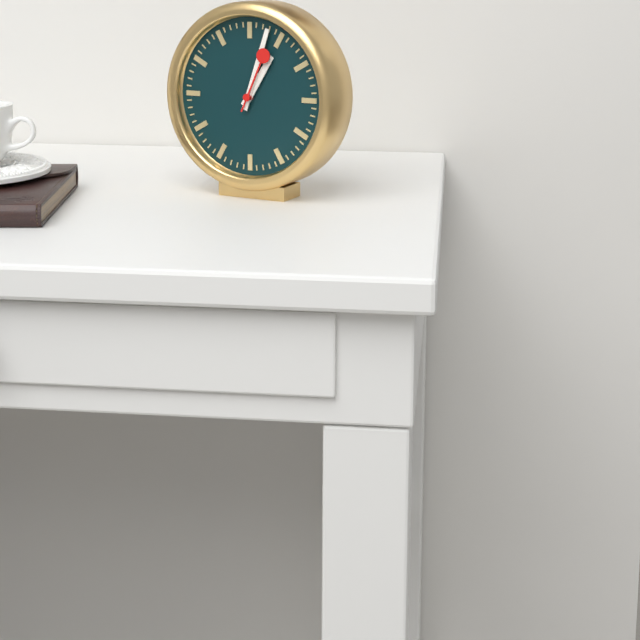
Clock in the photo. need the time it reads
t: 1:03:04
